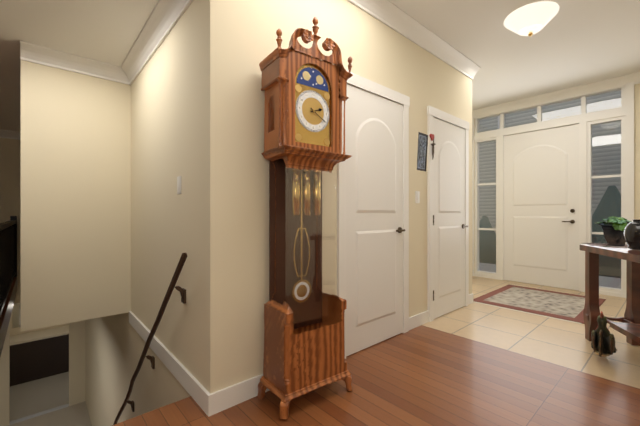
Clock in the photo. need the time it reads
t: 2:20
